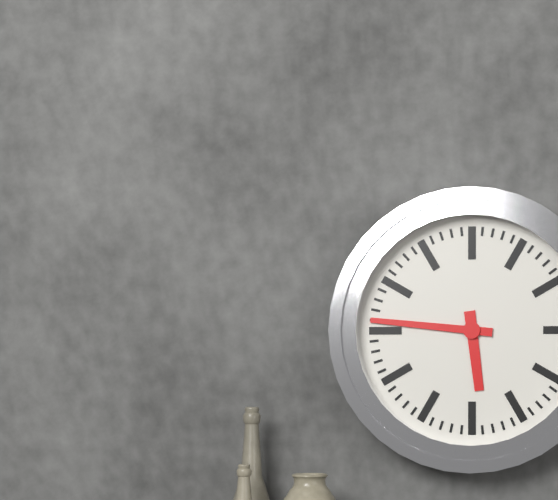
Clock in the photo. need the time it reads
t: 5:46
